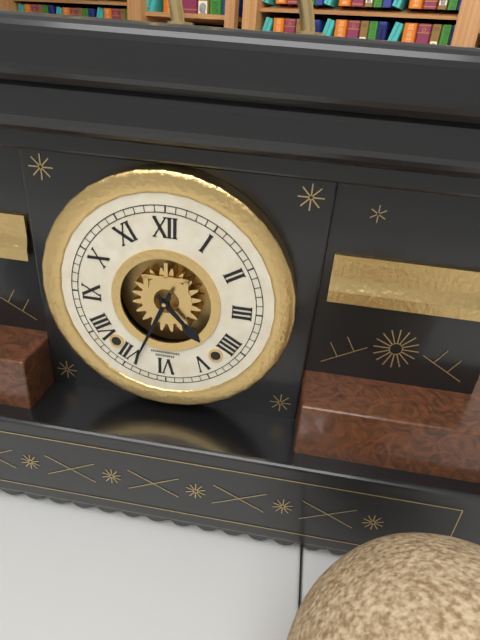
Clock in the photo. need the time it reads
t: 4:34
